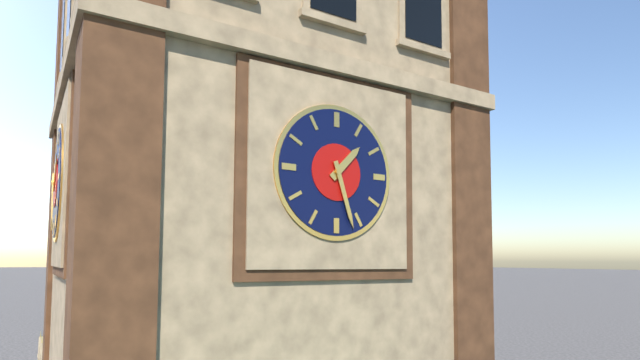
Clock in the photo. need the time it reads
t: 1:27
